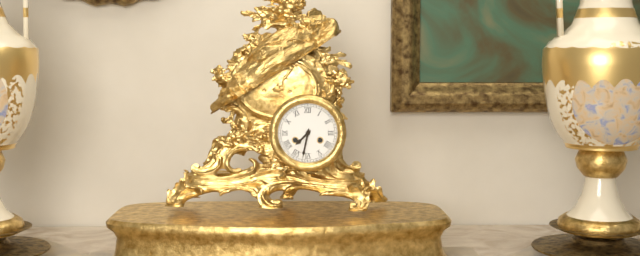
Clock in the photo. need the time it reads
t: 7:32
